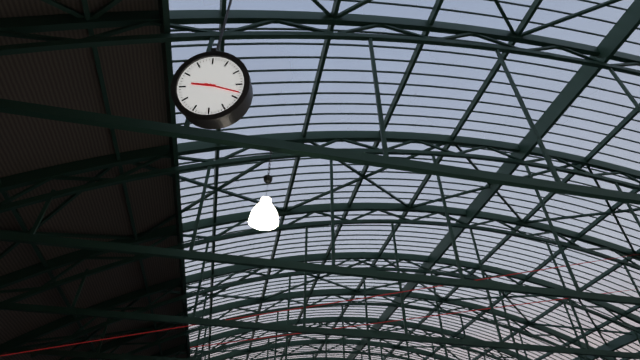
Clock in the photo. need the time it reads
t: 9:18
